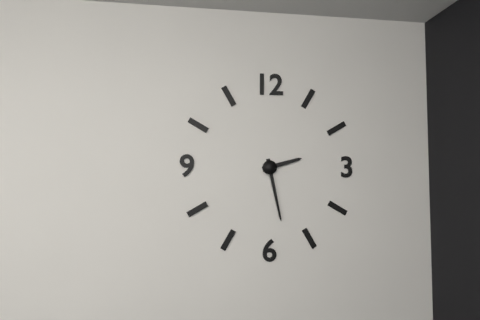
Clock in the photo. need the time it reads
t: 2:28
